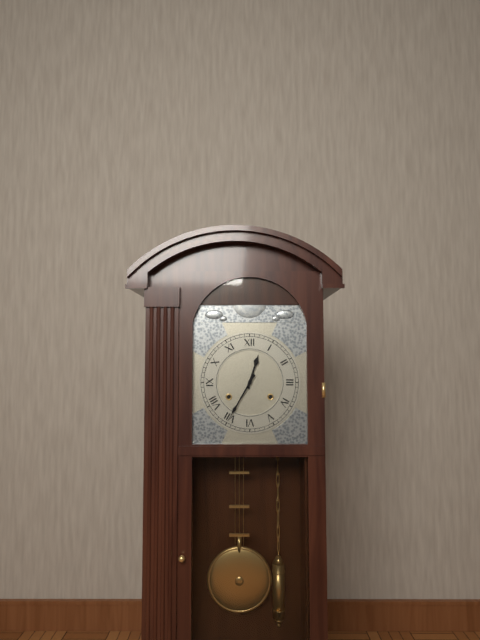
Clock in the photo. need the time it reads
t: 12:35
